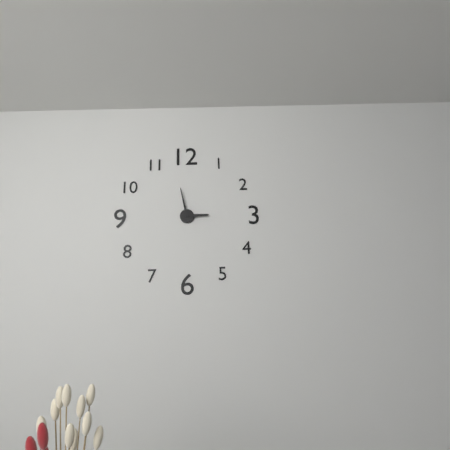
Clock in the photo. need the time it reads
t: 2:58
